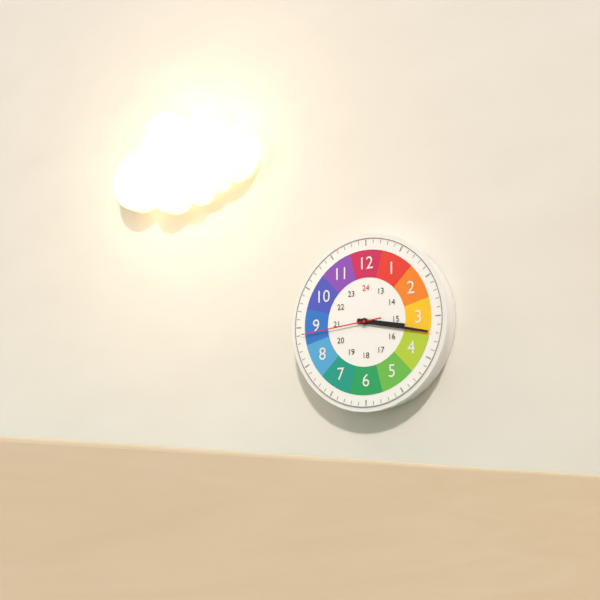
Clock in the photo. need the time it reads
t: 3:17:44
